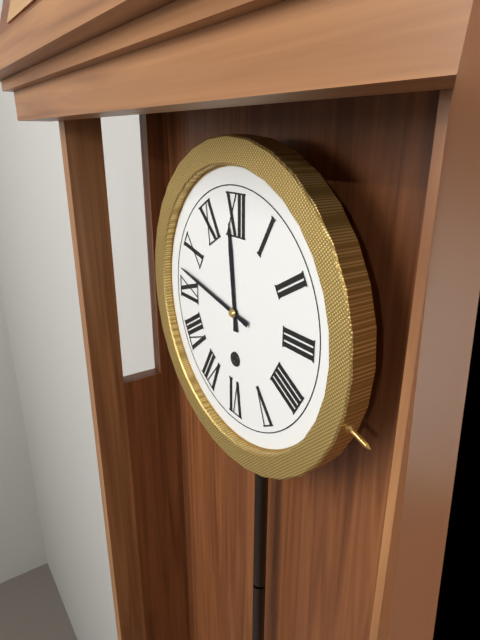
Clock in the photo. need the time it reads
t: 11:47
